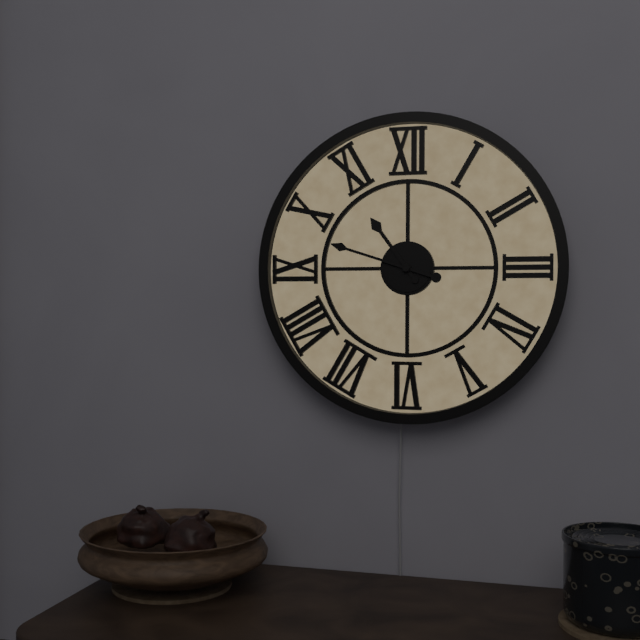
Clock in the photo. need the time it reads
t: 10:48
